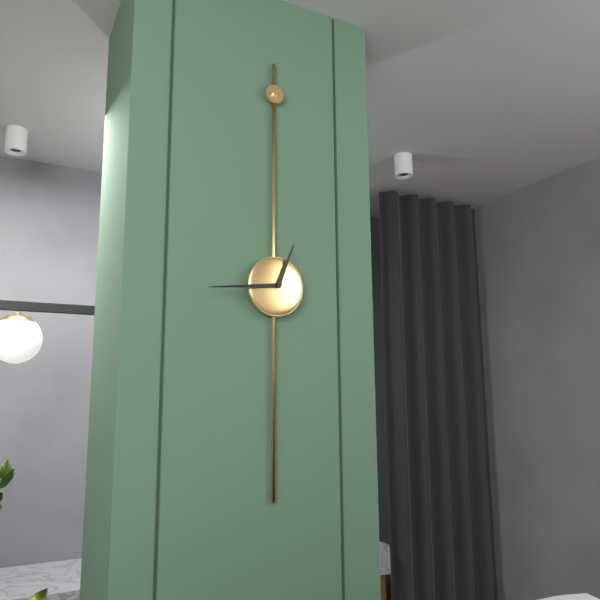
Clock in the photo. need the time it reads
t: 12:44
